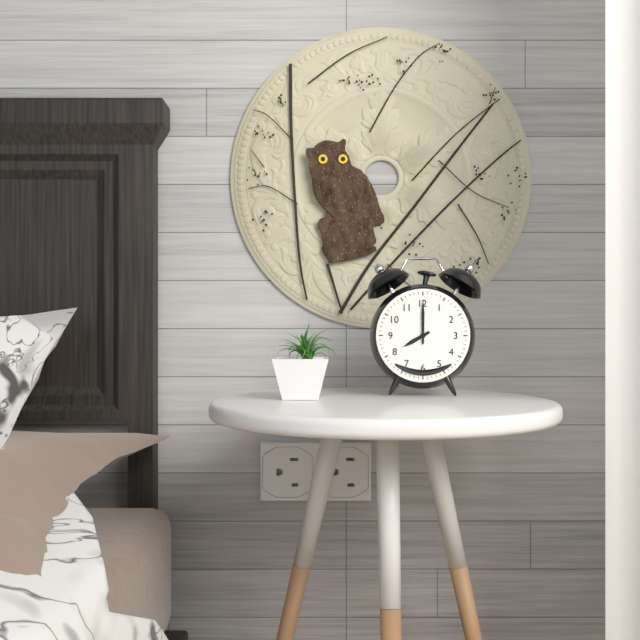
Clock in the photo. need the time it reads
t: 8:00
